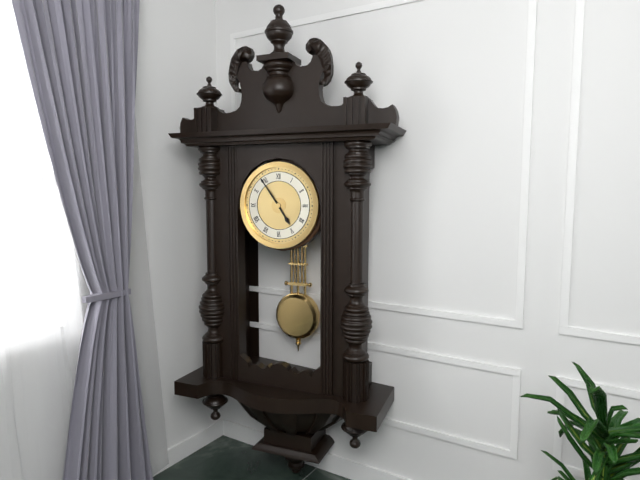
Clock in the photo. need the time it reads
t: 4:54
